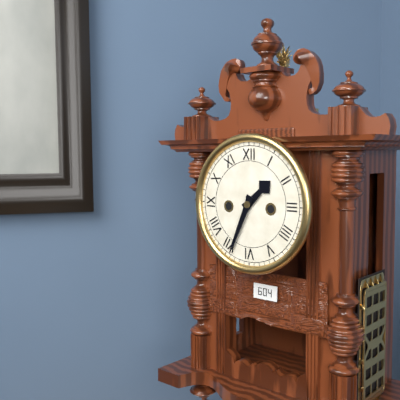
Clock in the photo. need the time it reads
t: 1:34
